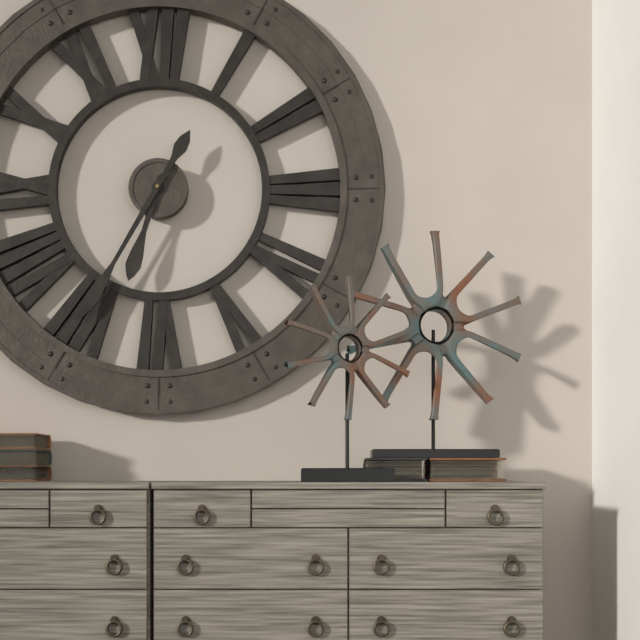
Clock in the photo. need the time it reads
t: 6:35
